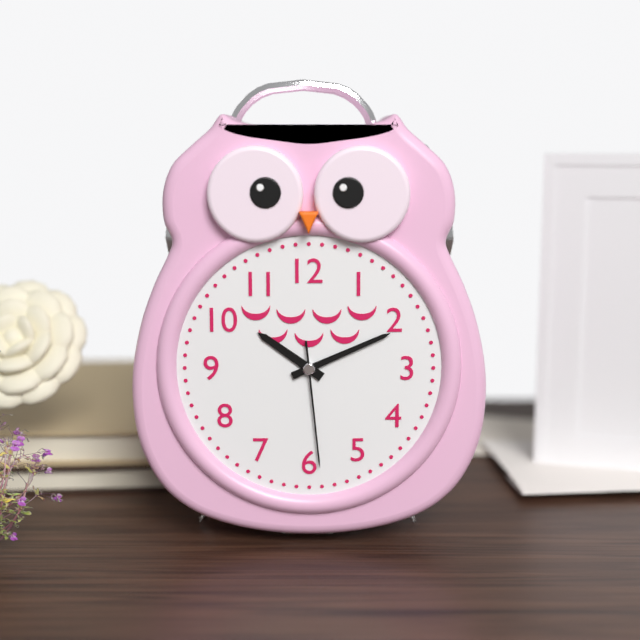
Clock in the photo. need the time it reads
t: 10:11:29
